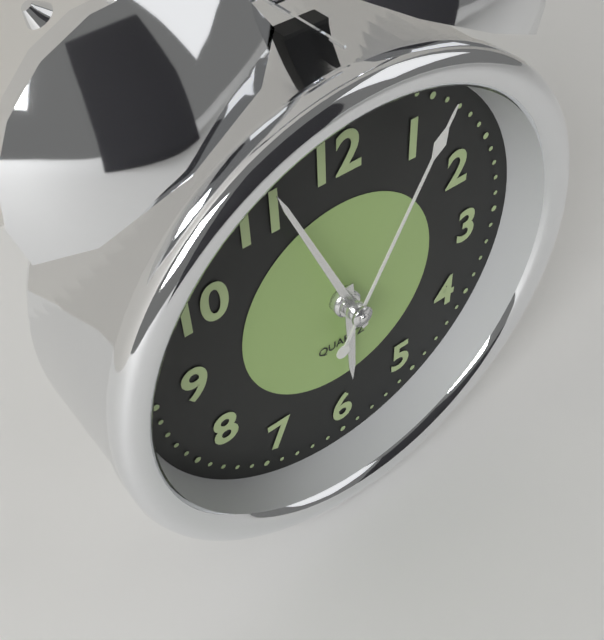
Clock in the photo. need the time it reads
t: 5:56:05
